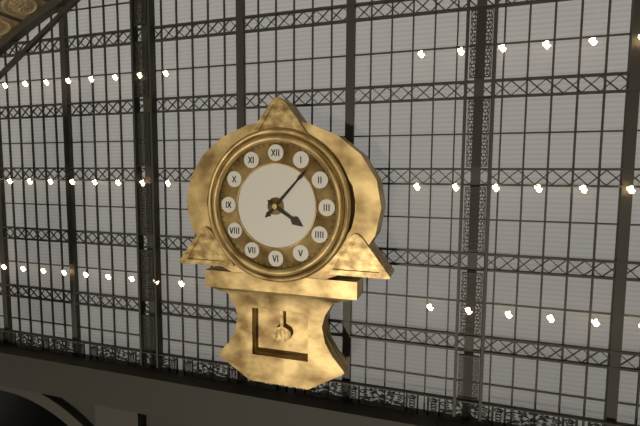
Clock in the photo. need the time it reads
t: 4:07
